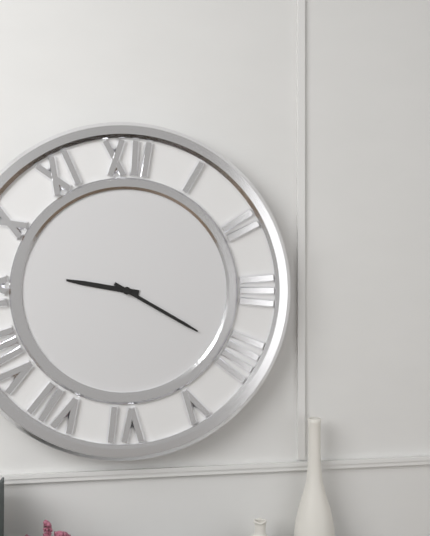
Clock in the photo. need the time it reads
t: 9:20
